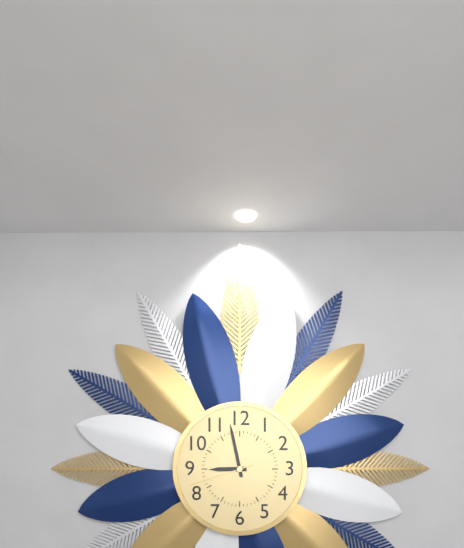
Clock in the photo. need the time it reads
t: 8:58:42
